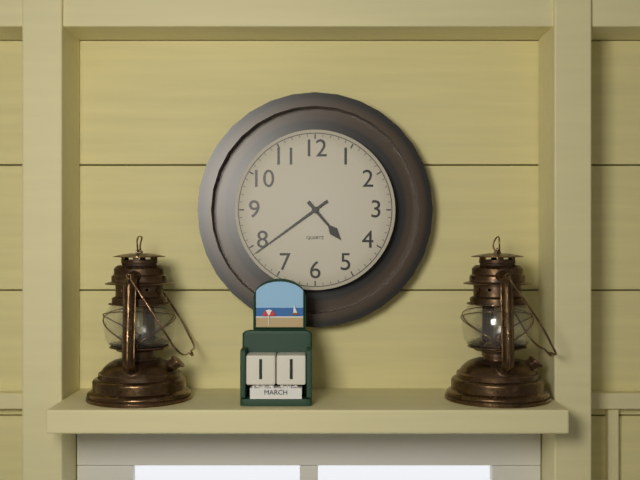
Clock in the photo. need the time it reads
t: 4:39
